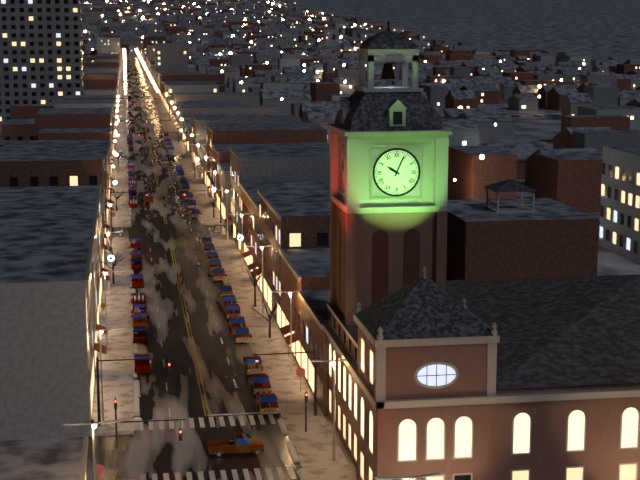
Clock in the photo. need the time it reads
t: 10:04
